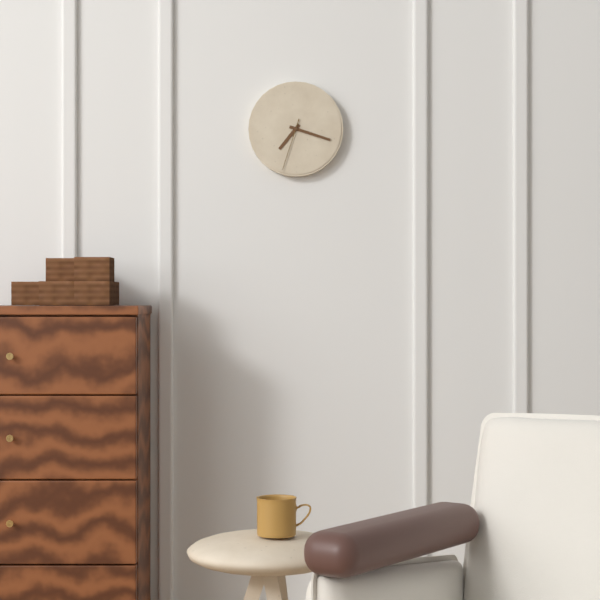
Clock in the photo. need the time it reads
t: 7:18:33
